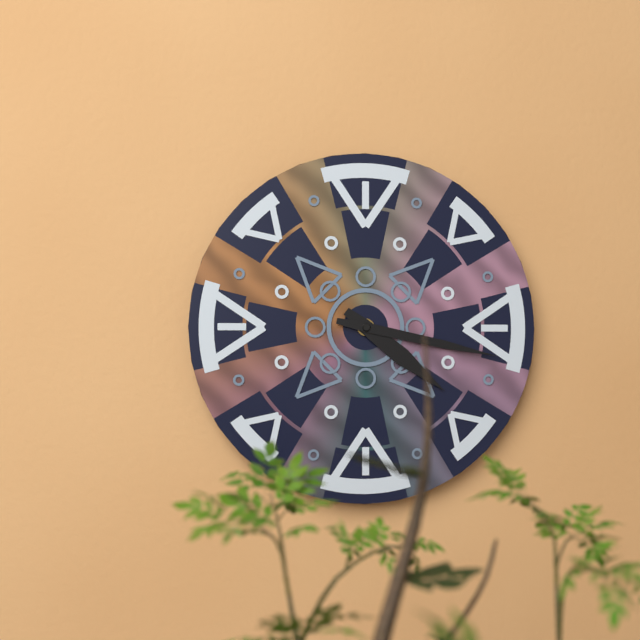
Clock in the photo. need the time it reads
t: 4:17
